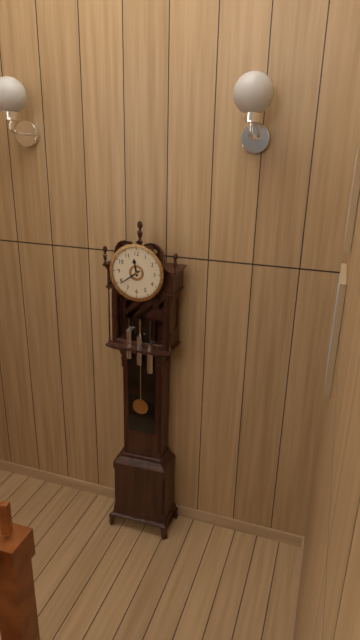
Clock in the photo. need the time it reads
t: 11:39
